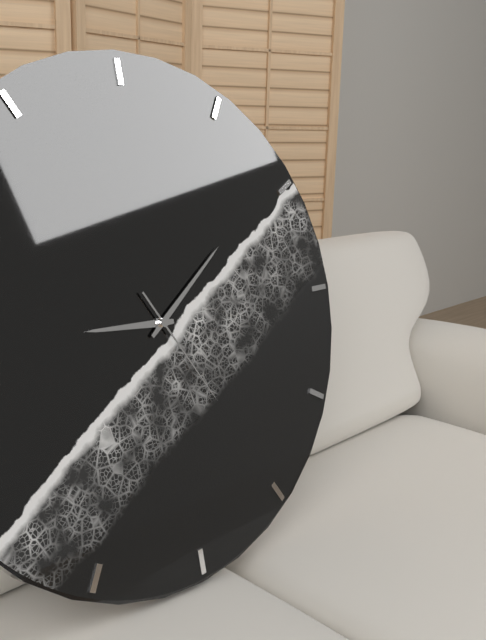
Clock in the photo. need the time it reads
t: 9:09:25
